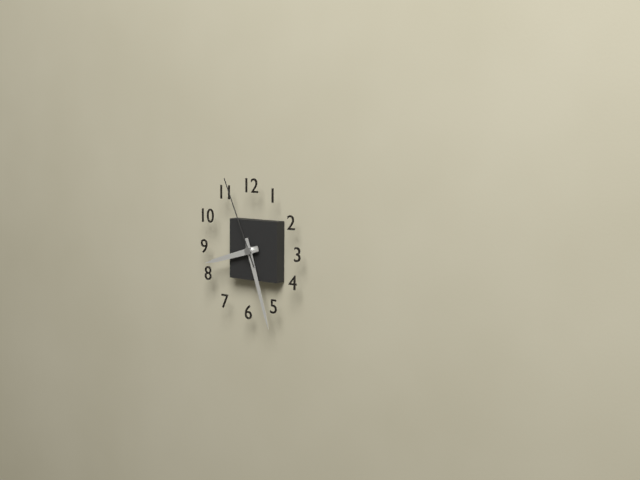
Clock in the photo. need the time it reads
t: 8:27:56
